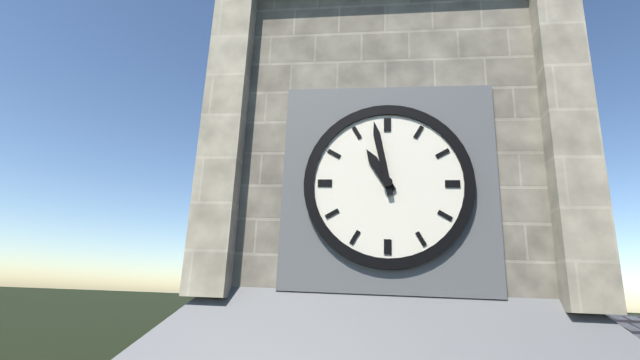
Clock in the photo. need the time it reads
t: 10:58
